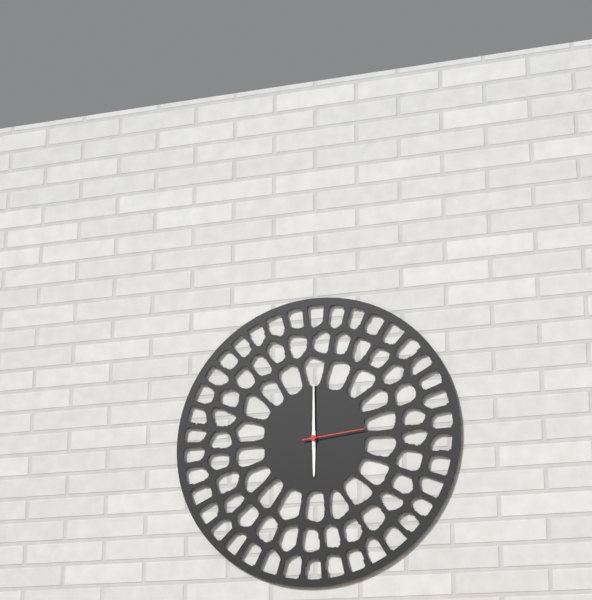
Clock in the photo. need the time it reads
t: 6:00:14
